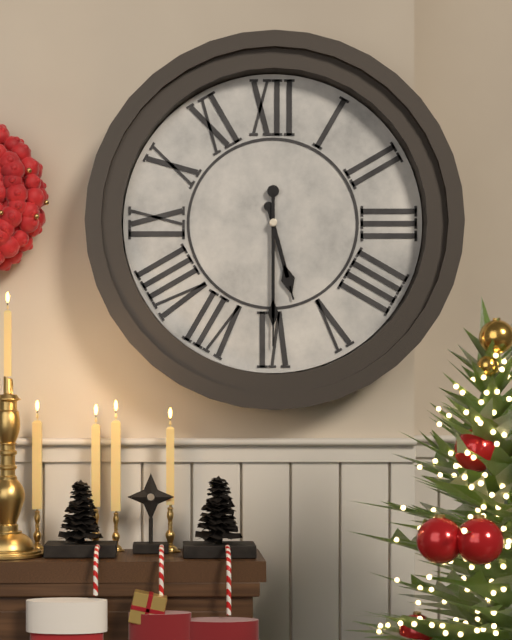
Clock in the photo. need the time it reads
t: 5:30
